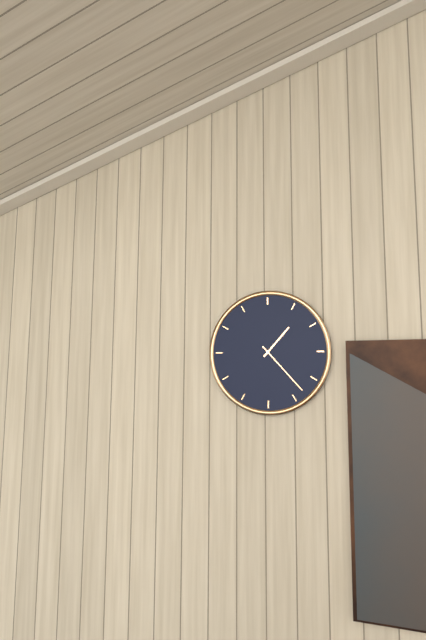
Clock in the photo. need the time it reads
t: 1:23
